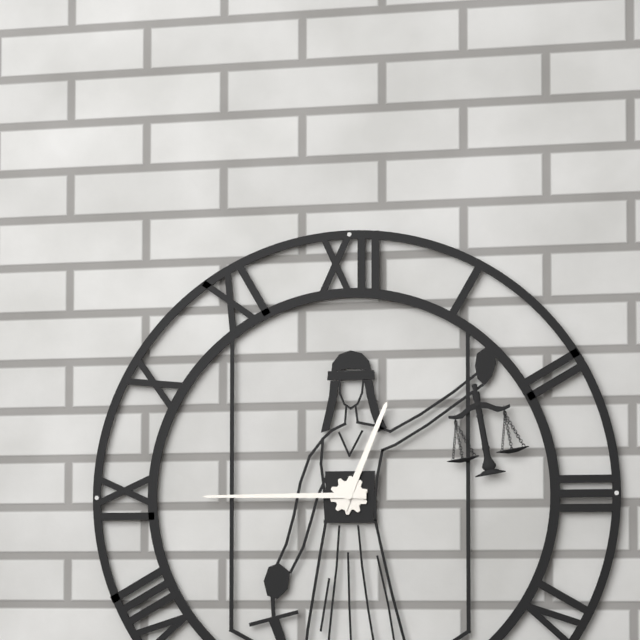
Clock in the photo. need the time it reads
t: 12:45
